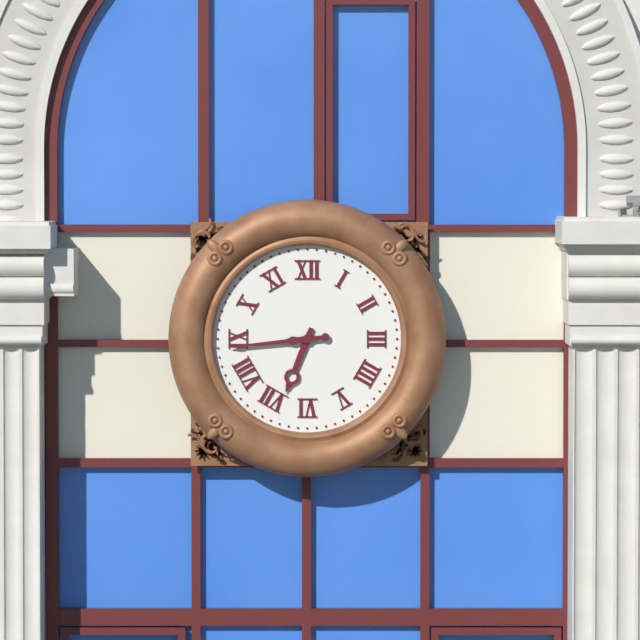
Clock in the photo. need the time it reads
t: 6:44
